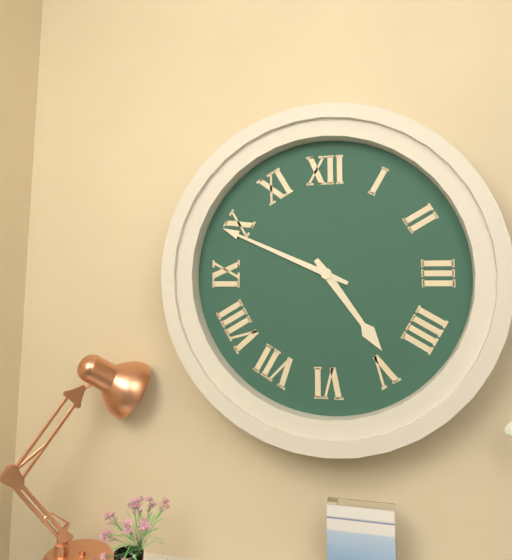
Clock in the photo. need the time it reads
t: 4:49
